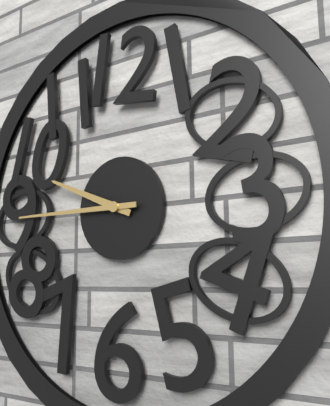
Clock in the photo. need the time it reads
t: 9:45
